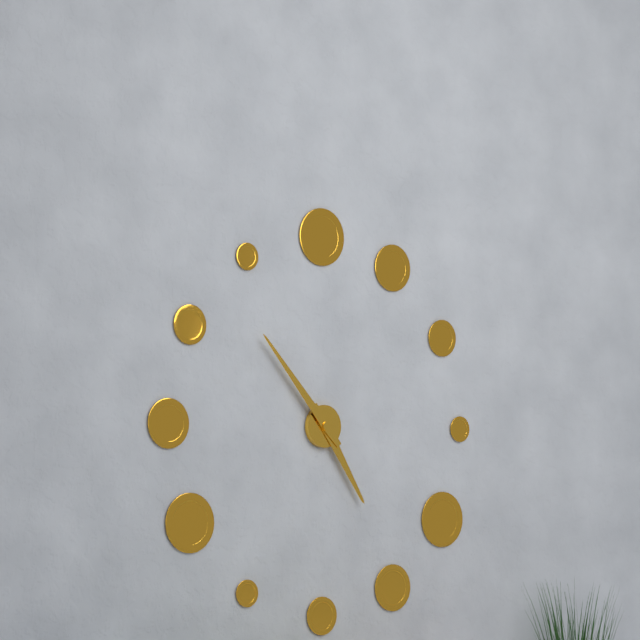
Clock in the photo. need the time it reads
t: 4:53
